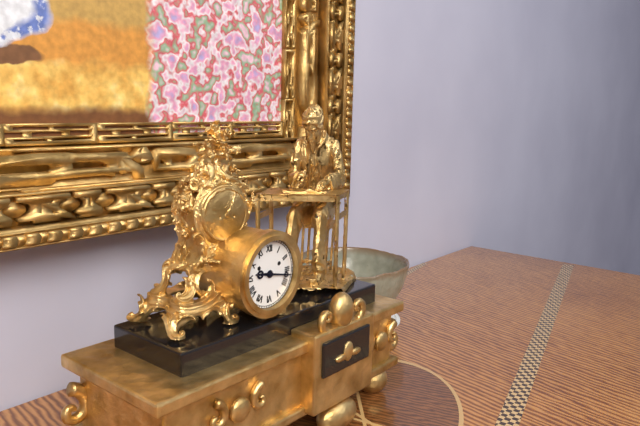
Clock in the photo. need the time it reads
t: 9:17
